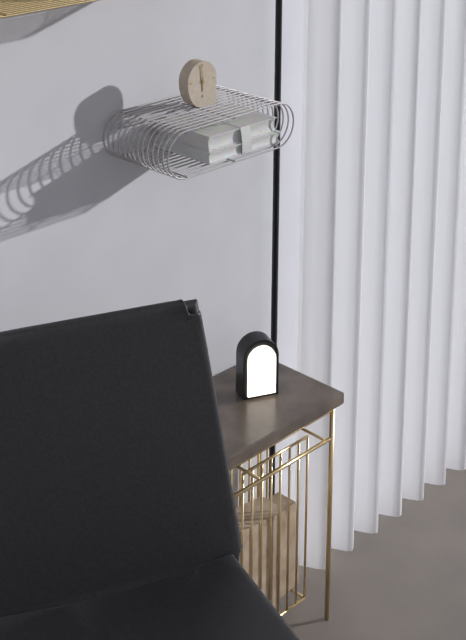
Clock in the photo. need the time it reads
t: 5:59
